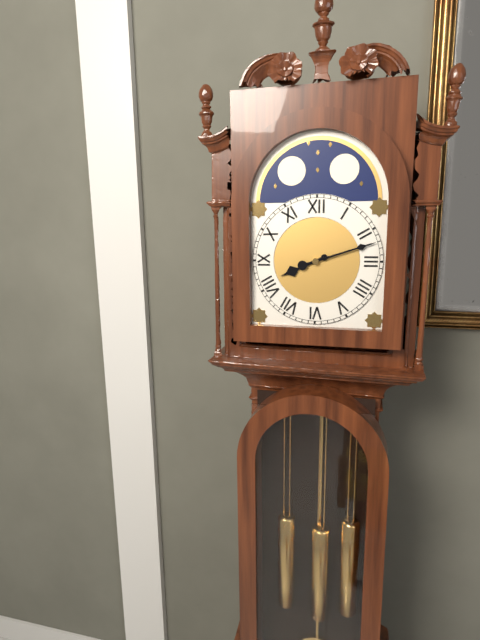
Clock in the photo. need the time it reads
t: 8:12
